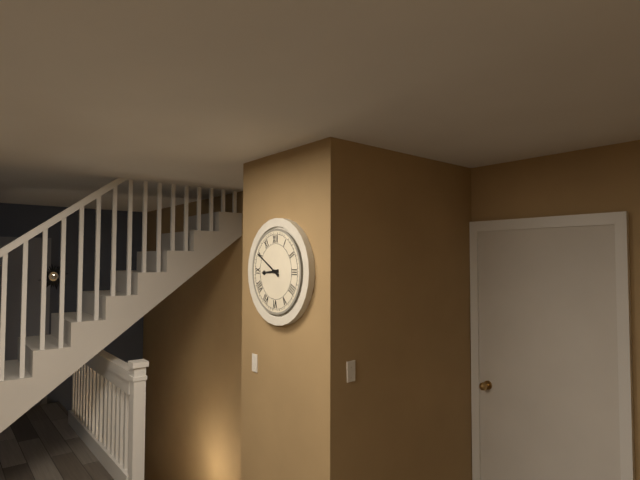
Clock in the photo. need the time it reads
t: 8:50
